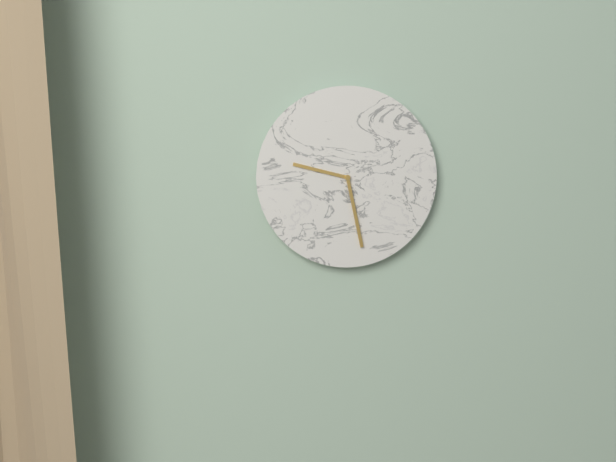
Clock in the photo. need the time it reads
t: 9:28
